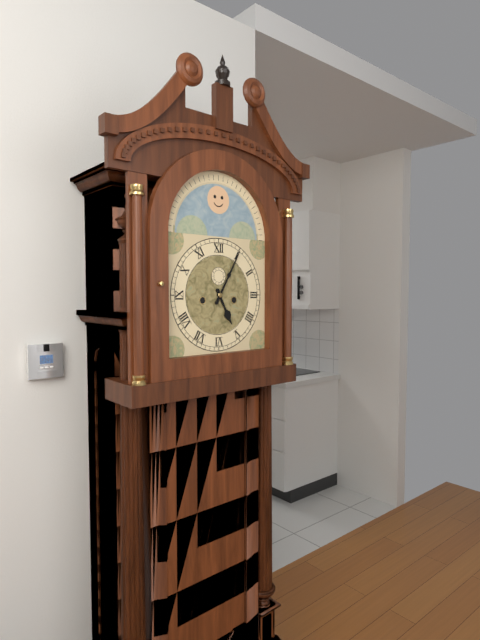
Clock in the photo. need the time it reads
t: 5:05
